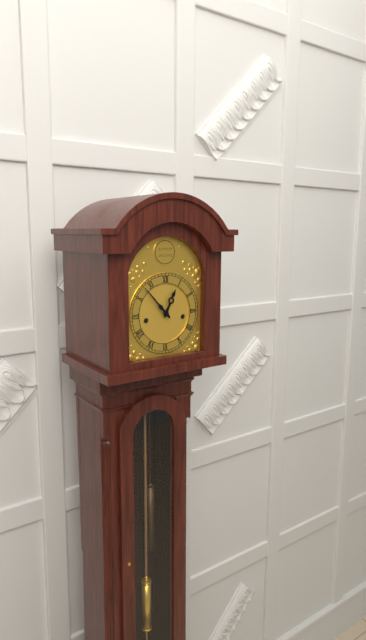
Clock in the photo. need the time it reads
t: 12:53
